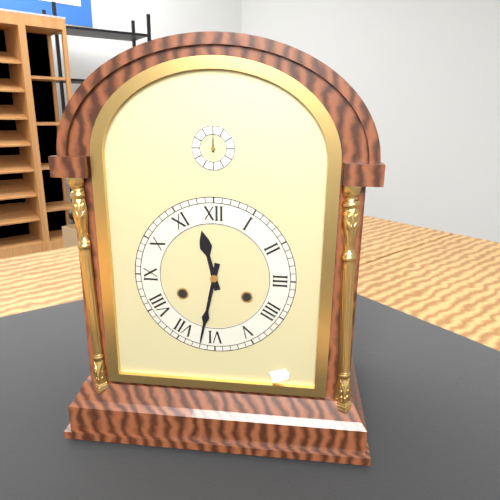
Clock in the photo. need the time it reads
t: 11:32
